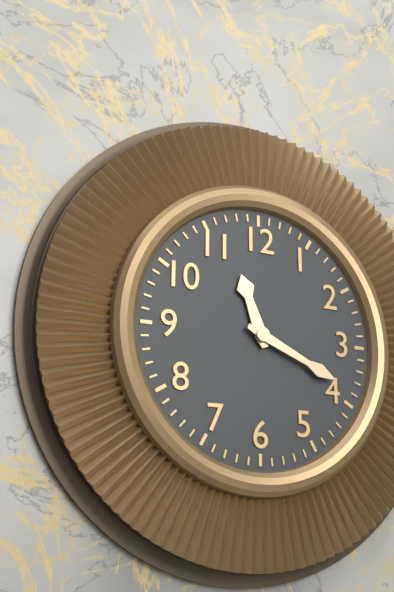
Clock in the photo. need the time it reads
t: 11:19
